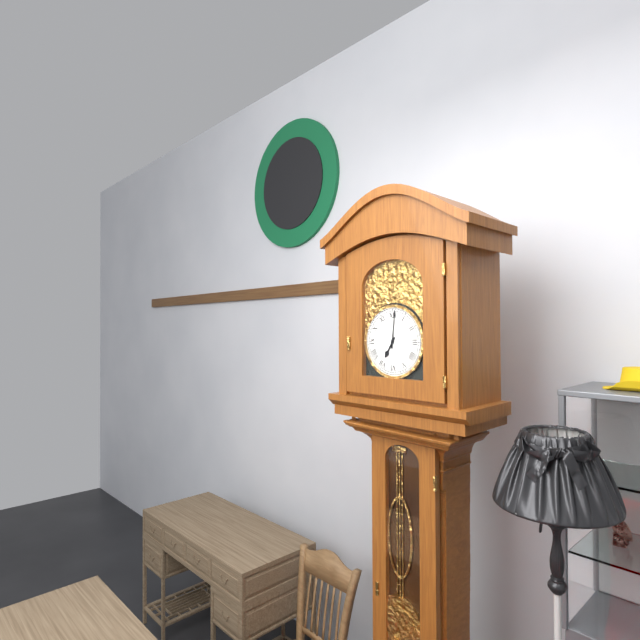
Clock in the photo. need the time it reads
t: 7:01
